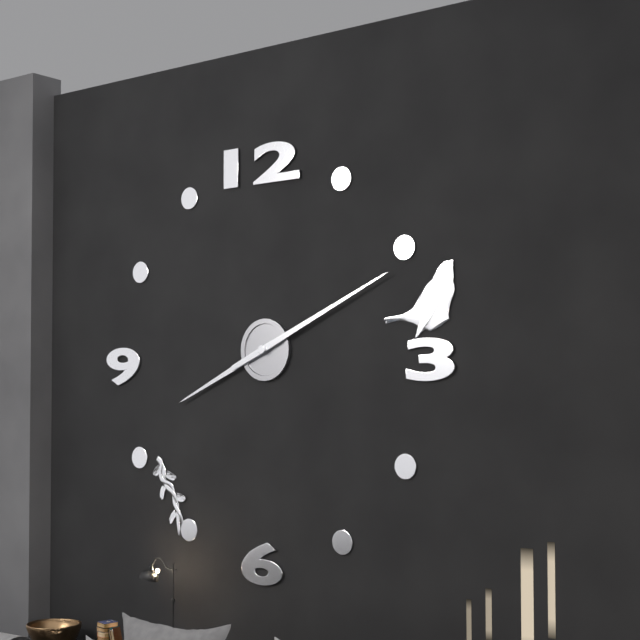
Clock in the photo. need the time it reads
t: 8:11
